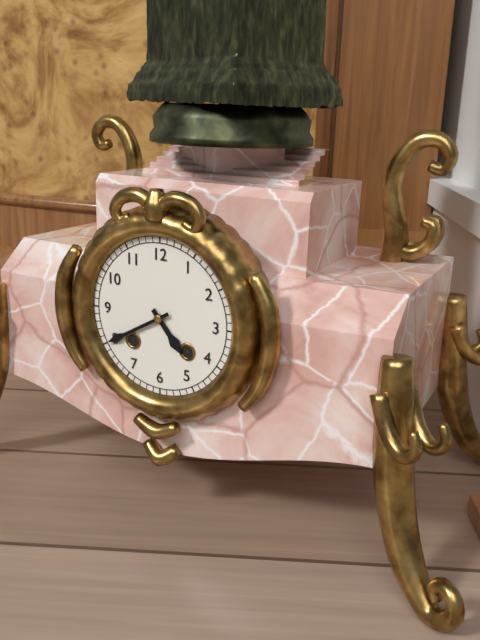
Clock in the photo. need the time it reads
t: 4:40
